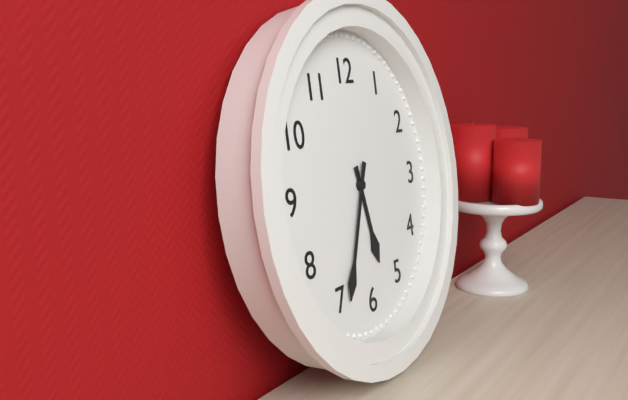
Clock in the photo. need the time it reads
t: 5:34
